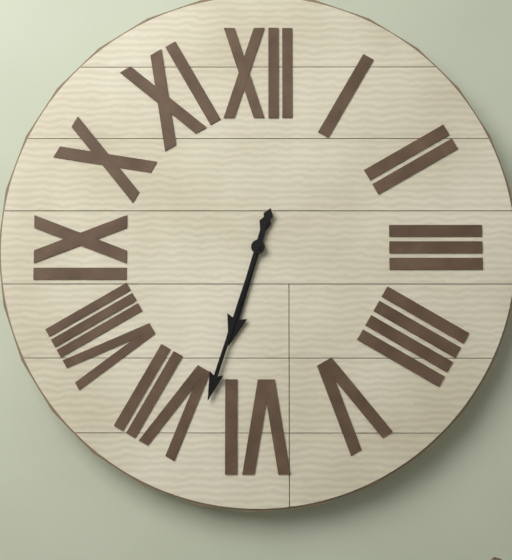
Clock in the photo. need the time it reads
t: 6:33
